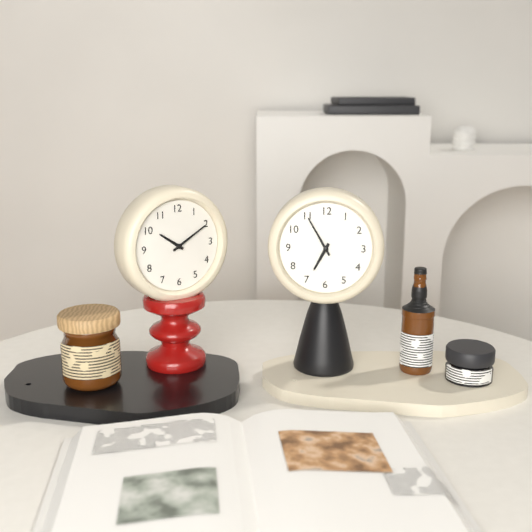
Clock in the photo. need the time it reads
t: 6:55
